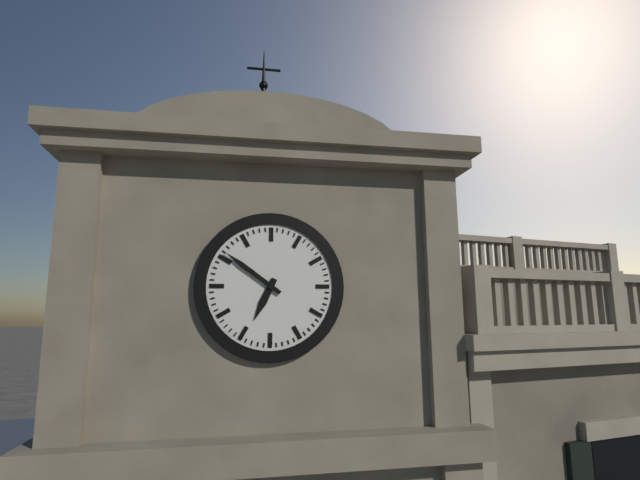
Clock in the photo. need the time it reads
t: 6:51
